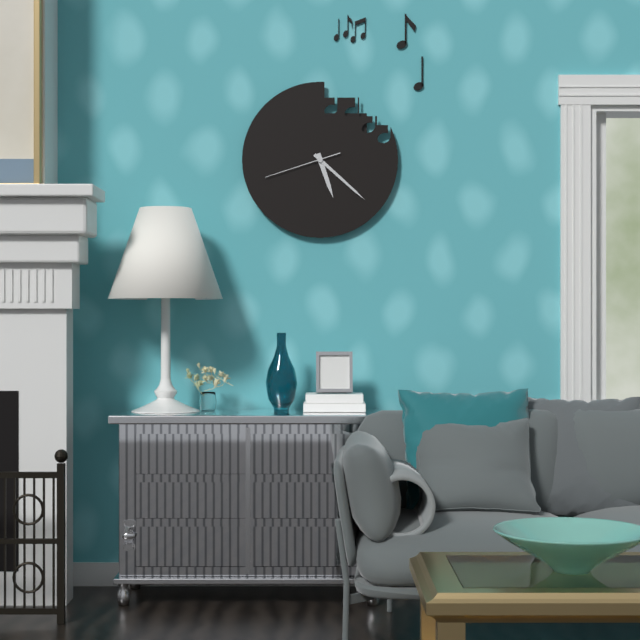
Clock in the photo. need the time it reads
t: 5:22:42
